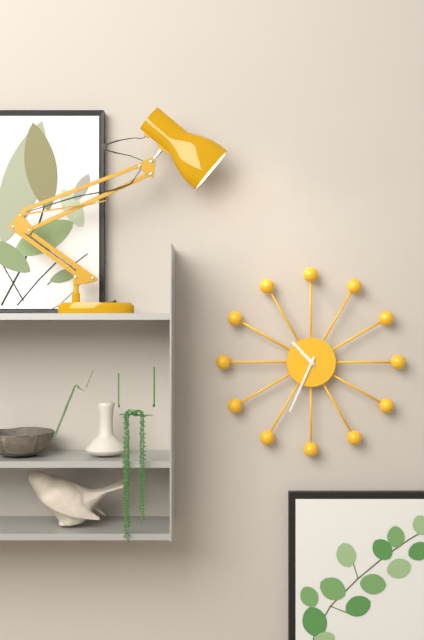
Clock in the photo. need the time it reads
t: 10:34
